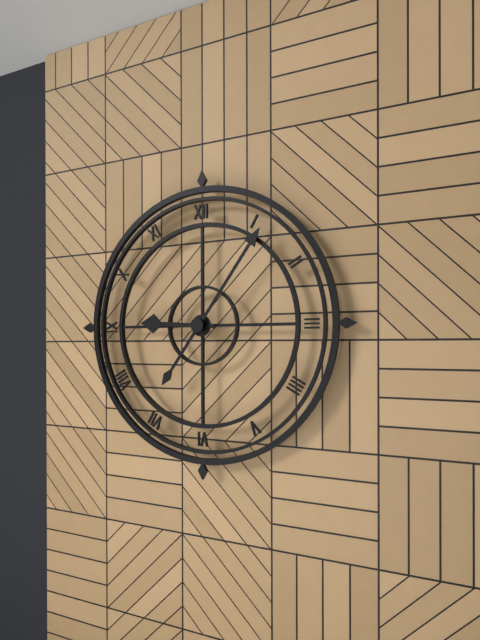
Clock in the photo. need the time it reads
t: 9:06
